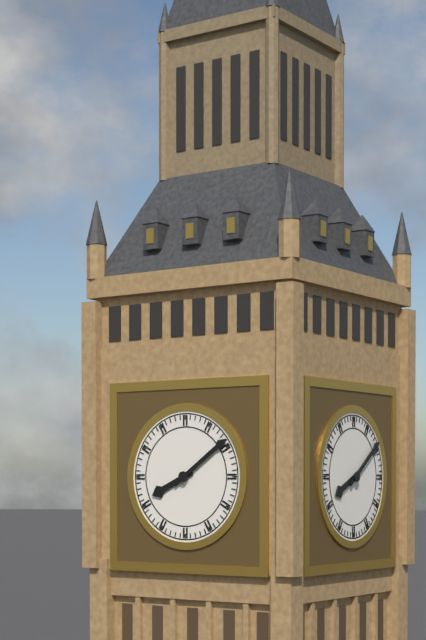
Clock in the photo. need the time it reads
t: 8:09
